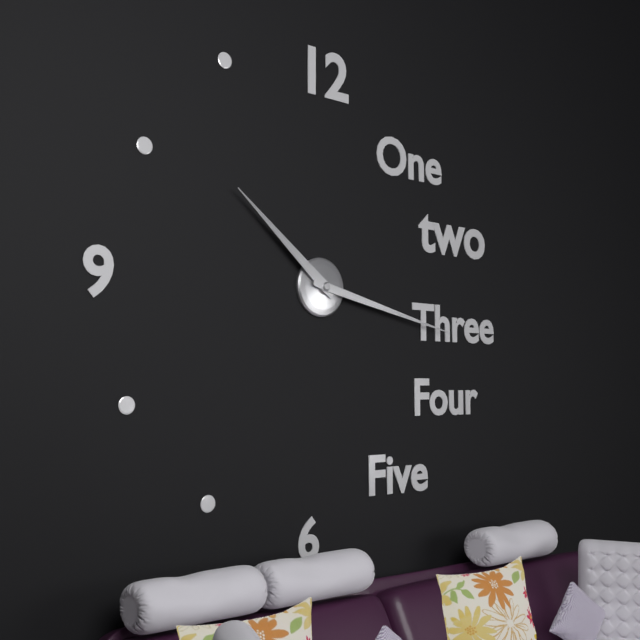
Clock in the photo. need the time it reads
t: 10:17
